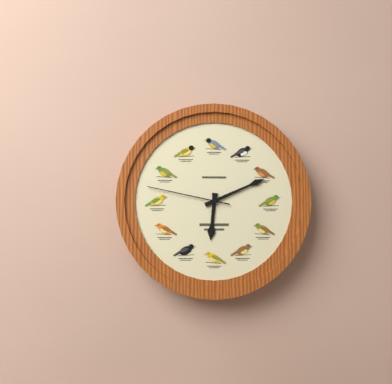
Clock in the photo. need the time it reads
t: 6:11:47
